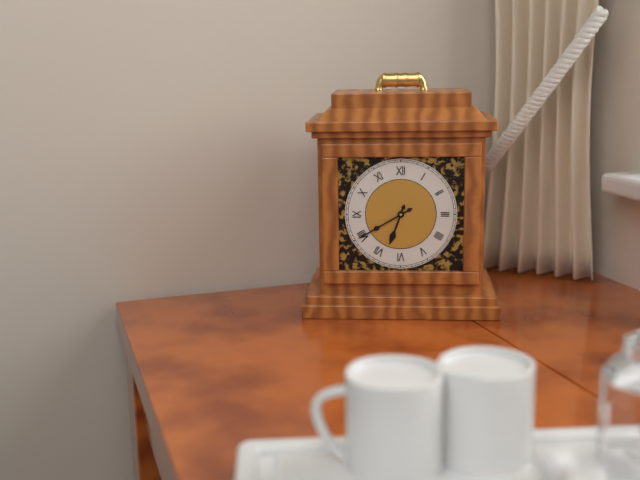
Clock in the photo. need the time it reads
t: 6:40
